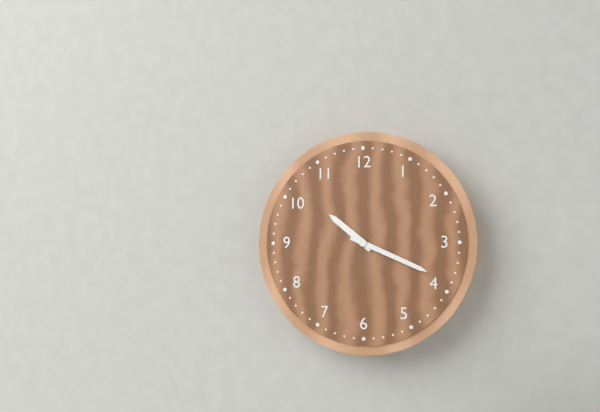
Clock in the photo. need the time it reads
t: 10:19
